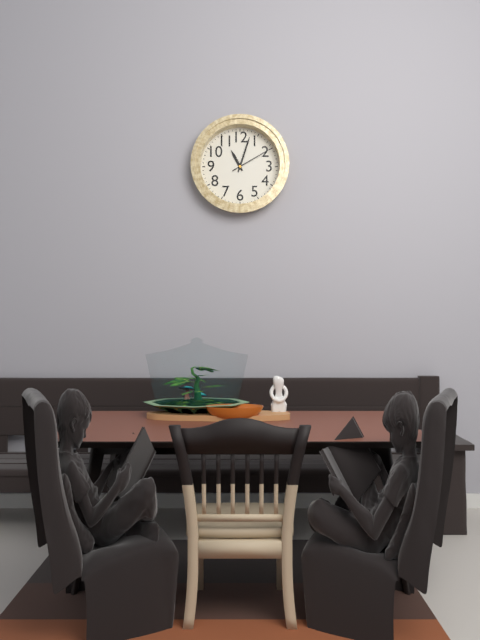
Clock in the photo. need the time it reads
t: 11:03
